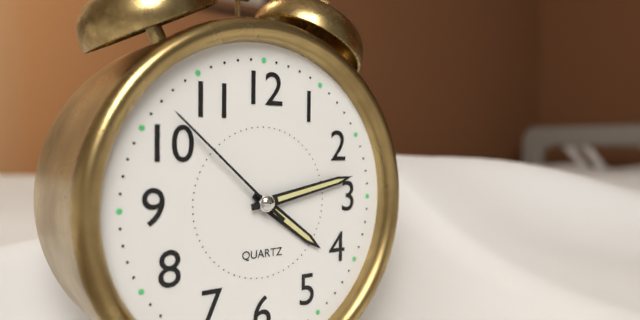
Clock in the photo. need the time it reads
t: 4:13:52
